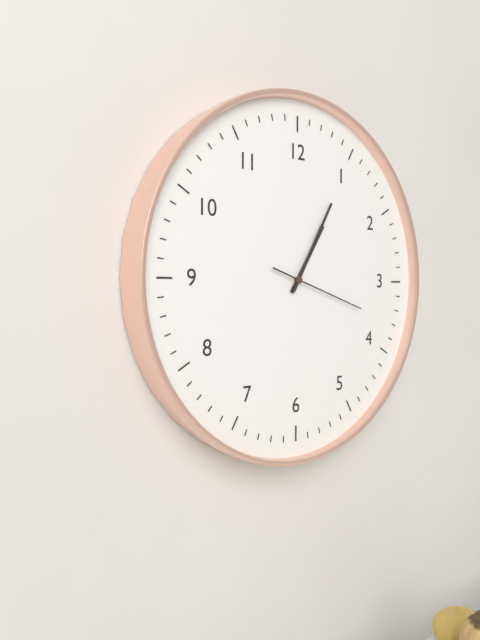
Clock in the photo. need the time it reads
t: 1:05:18
